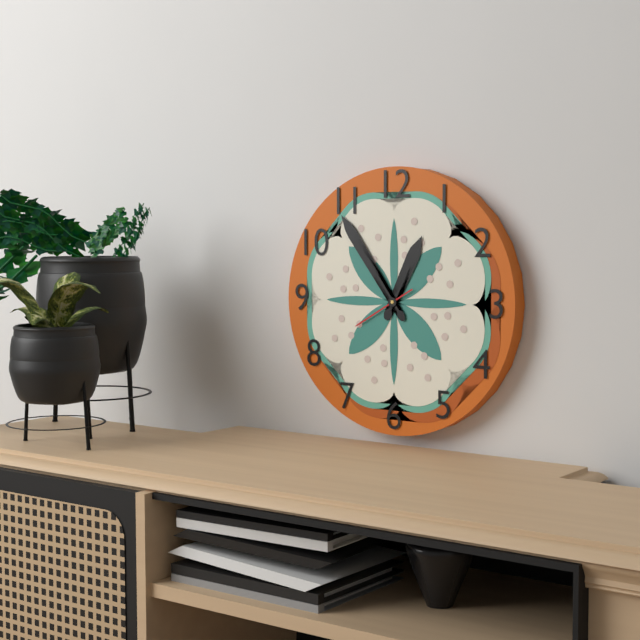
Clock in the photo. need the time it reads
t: 12:54:40
